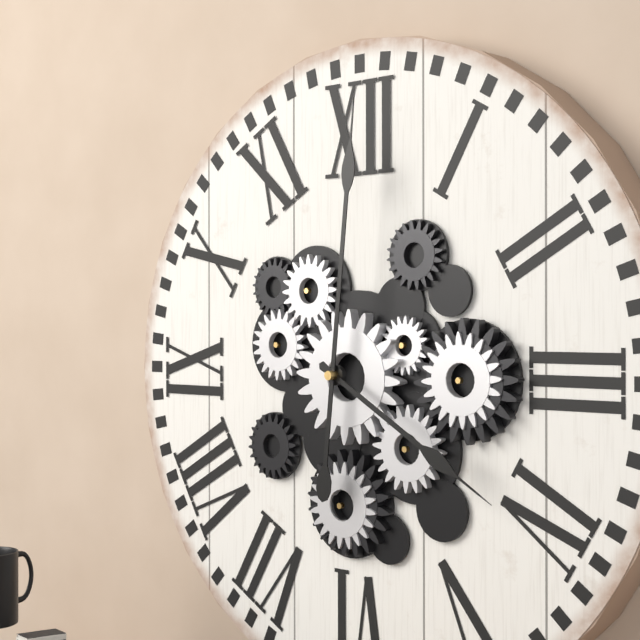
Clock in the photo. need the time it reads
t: 4:01
